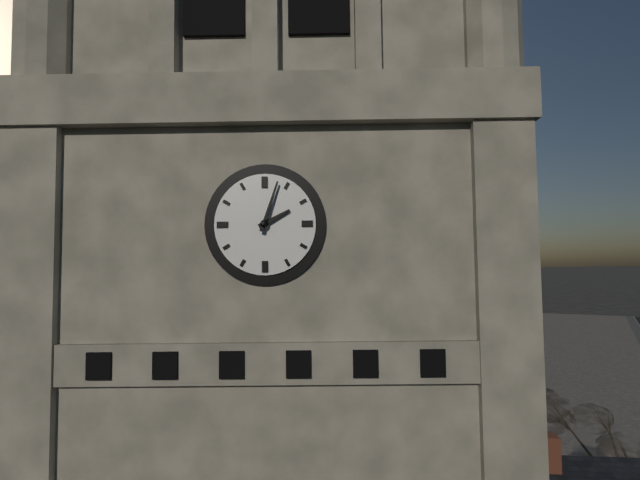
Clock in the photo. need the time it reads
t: 2:03
